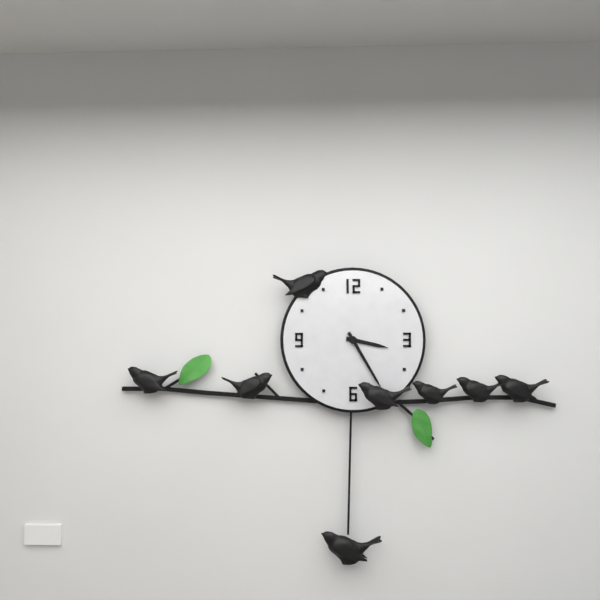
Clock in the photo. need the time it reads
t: 3:25
